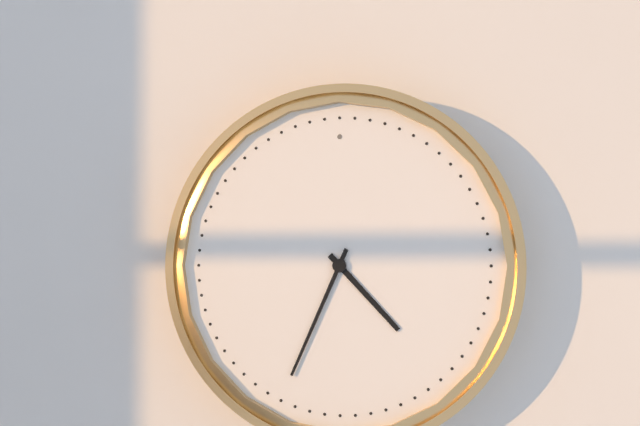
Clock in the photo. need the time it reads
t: 4:34
